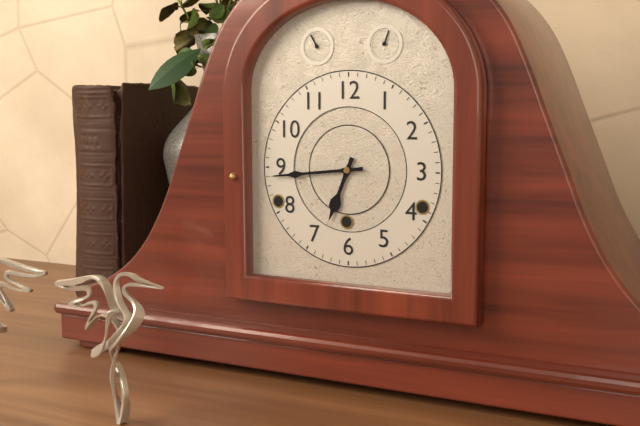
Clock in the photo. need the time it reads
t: 6:44
